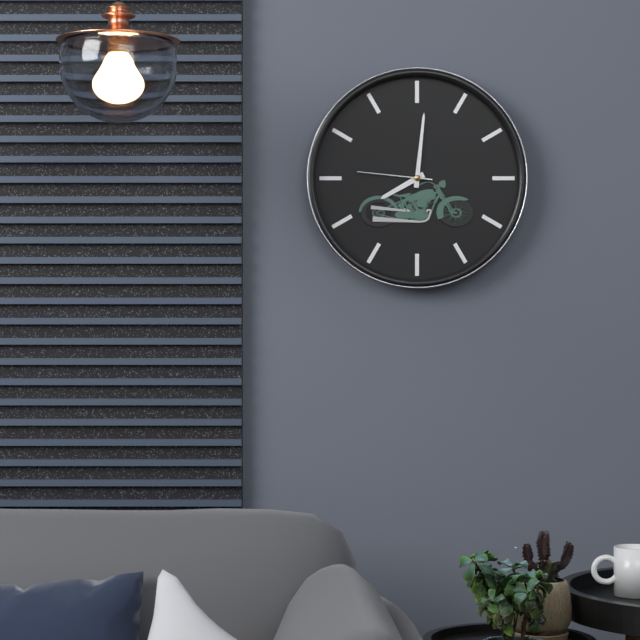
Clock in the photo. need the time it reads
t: 8:01:46
